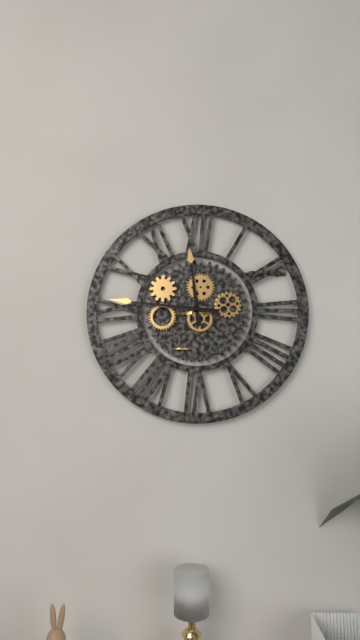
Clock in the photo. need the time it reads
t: 11:46
